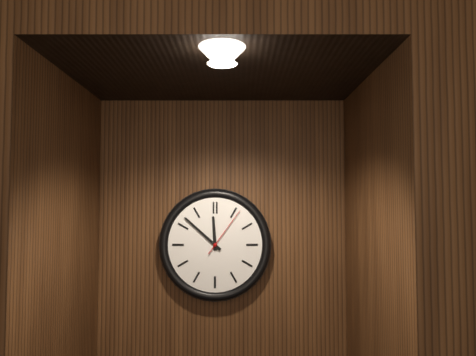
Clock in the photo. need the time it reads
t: 11:52:06
